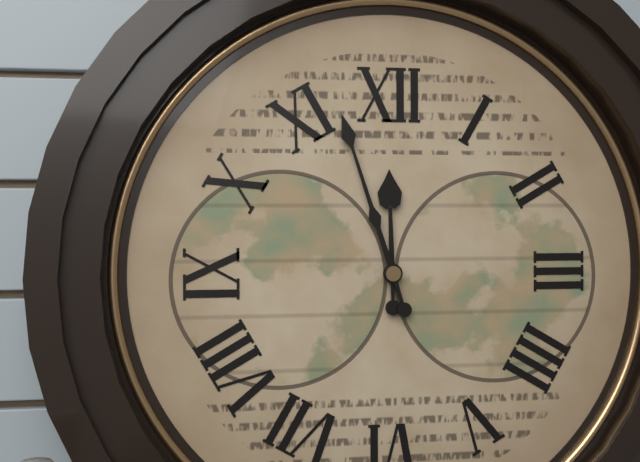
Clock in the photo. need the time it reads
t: 11:57
